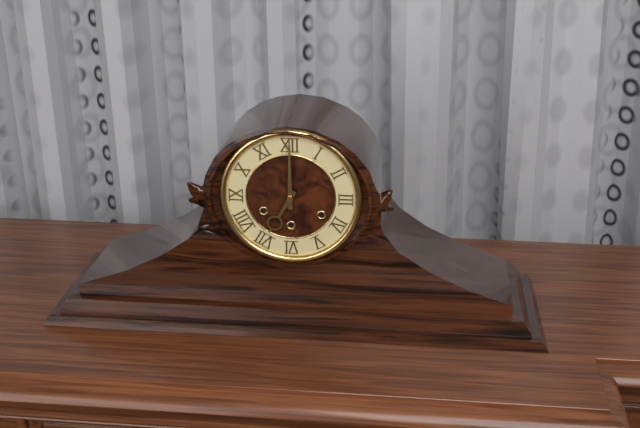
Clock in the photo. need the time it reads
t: 7:00
